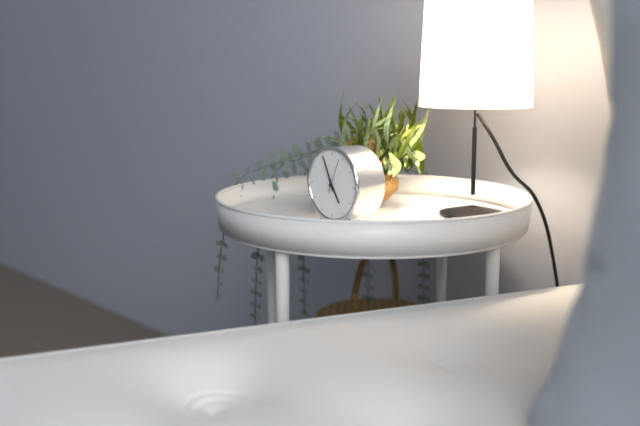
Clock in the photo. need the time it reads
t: 4:56
